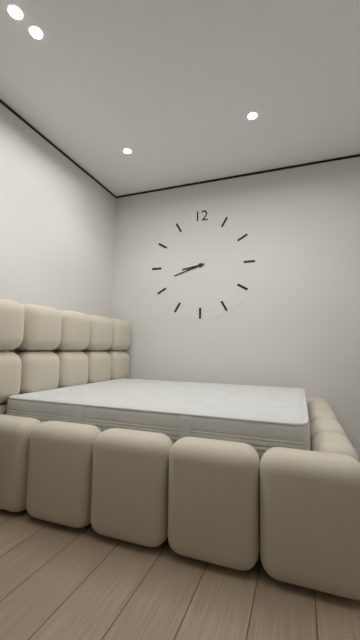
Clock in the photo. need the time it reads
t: 8:42
